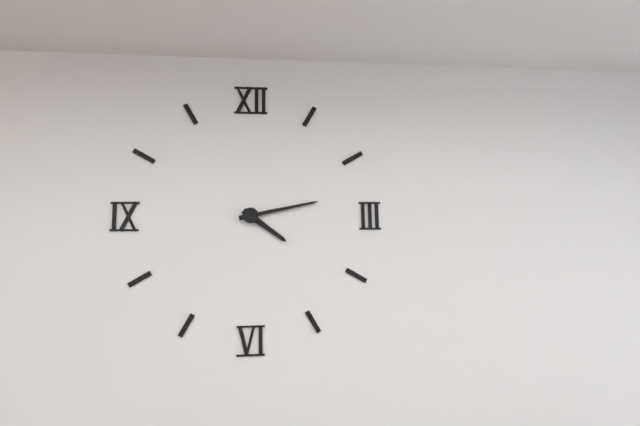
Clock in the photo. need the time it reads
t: 4:13
